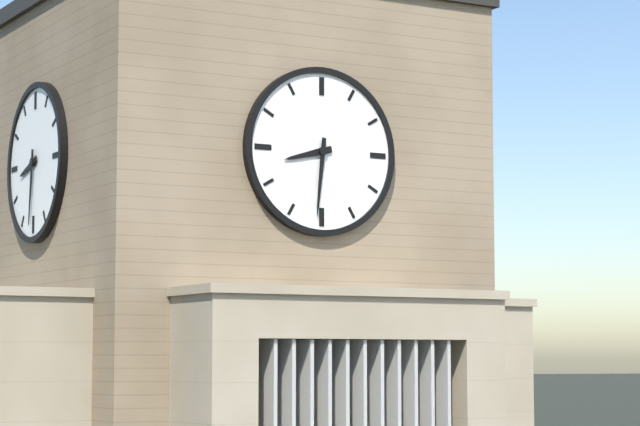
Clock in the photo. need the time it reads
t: 8:31
